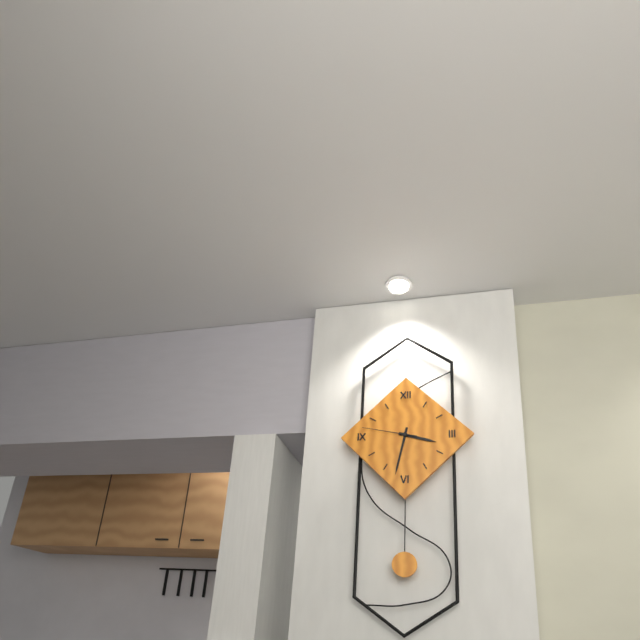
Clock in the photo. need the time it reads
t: 3:32:47
